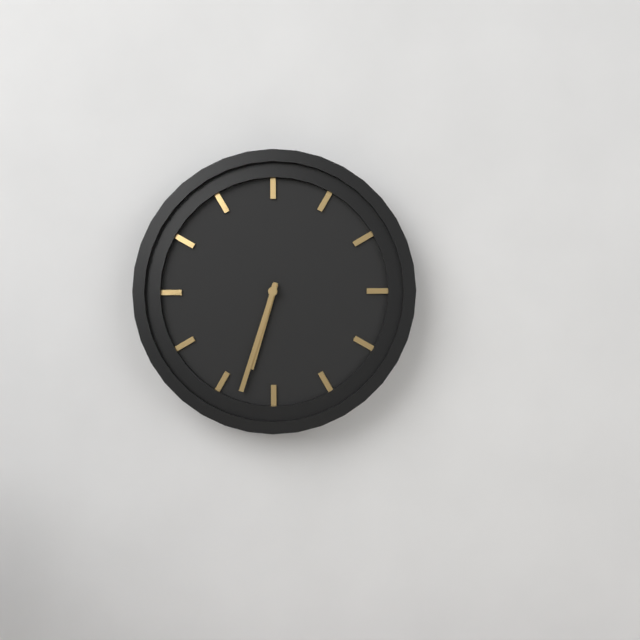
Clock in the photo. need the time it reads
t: 6:33
